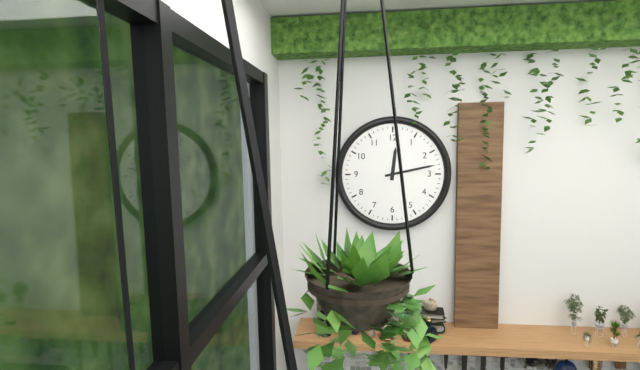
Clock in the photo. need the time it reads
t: 12:13
